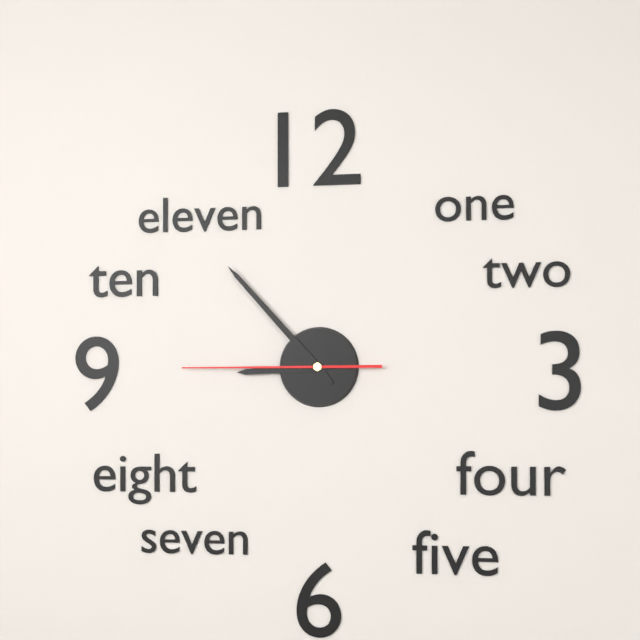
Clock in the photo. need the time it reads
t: 8:53:45
